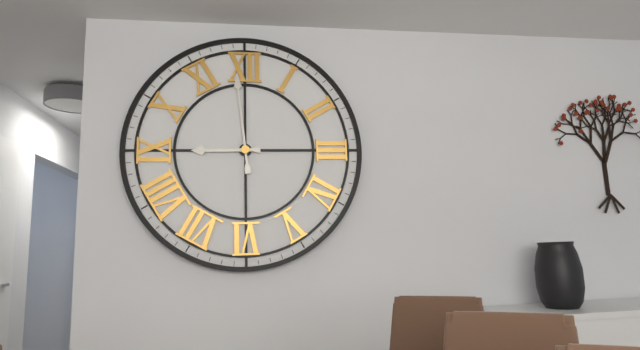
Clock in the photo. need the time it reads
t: 8:59
